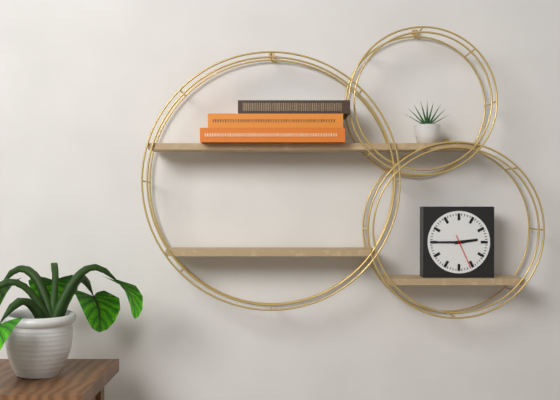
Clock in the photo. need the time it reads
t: 2:45
